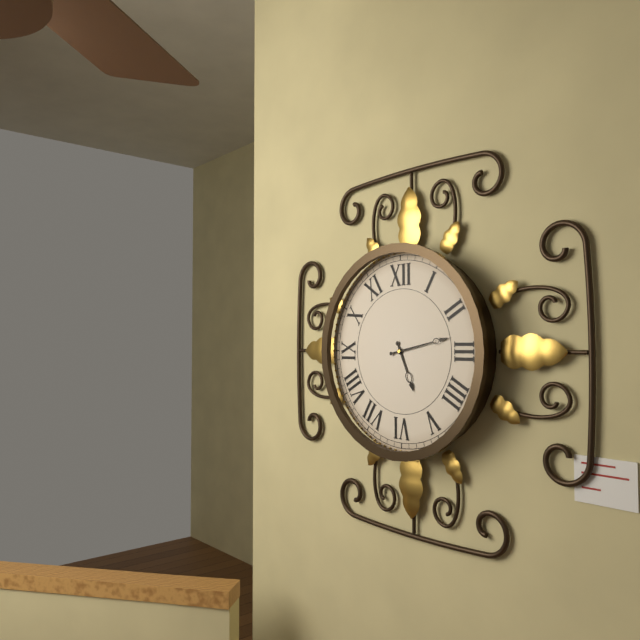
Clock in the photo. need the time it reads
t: 5:13
